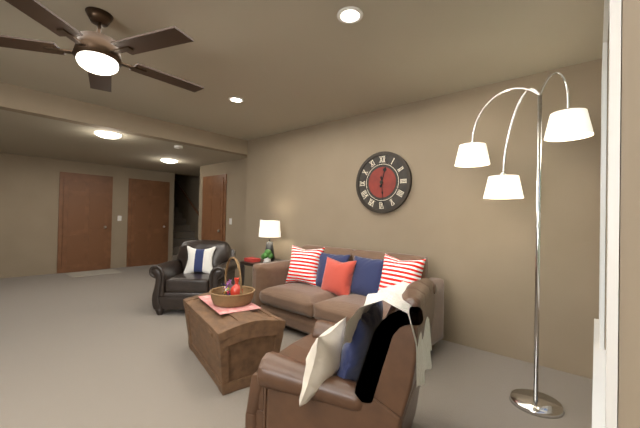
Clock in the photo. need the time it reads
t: 12:29
